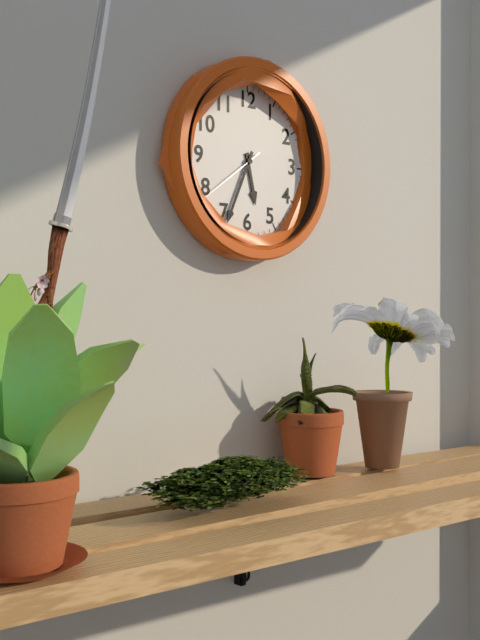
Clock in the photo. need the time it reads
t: 5:34:39
